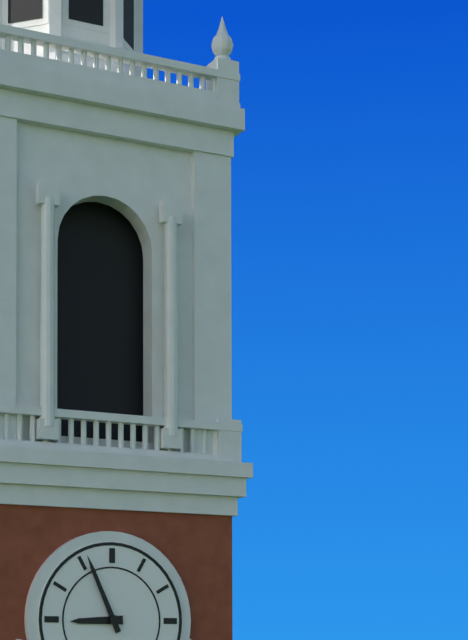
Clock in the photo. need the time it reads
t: 8:56
